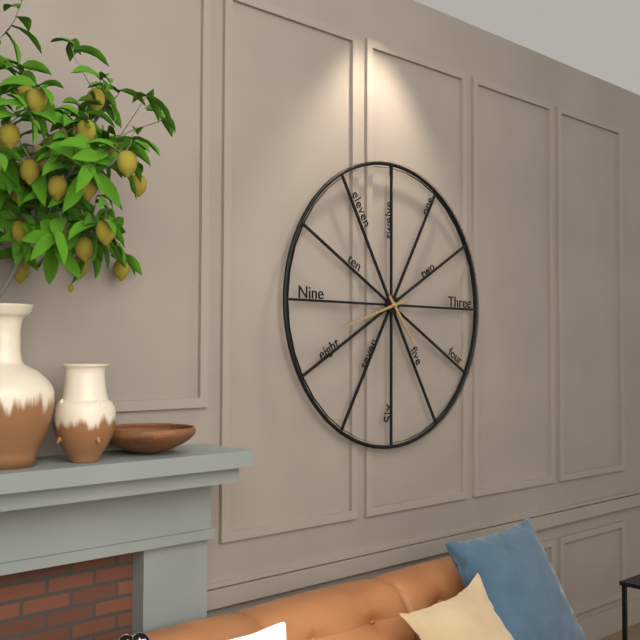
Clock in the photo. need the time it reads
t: 4:42
